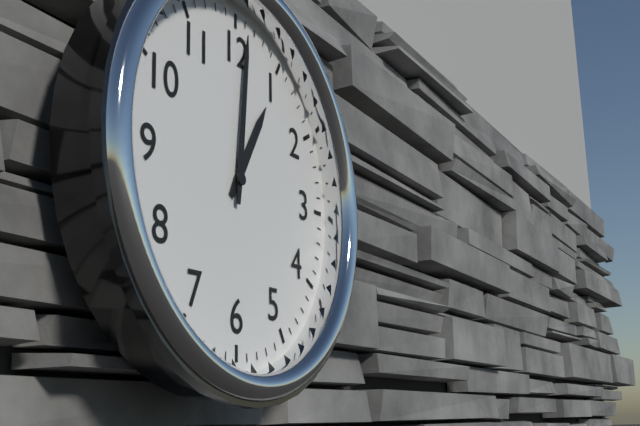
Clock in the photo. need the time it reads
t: 1:01
